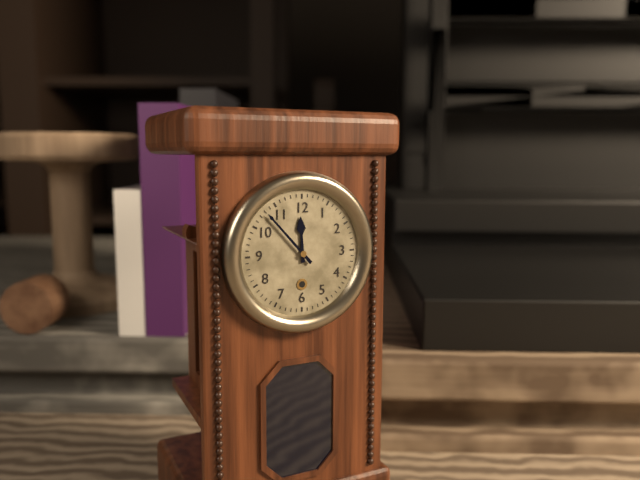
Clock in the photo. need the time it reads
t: 11:53
